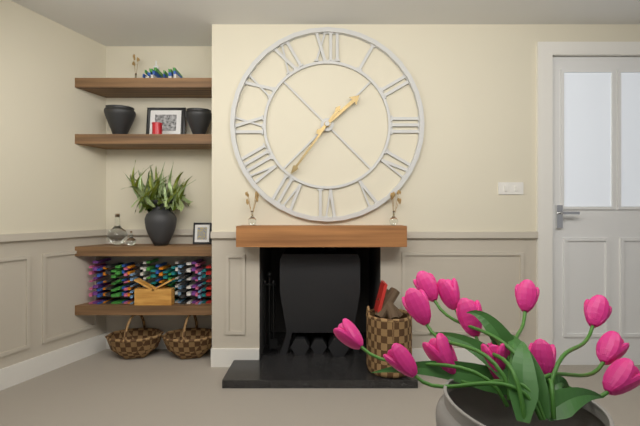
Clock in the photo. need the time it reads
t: 1:36
